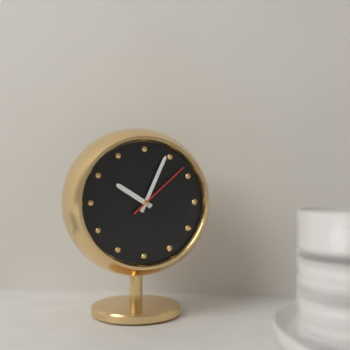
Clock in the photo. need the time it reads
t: 10:04:08
